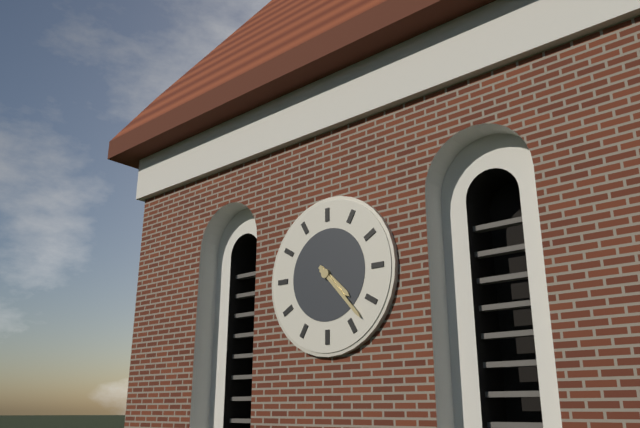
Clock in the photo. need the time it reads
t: 4:23
